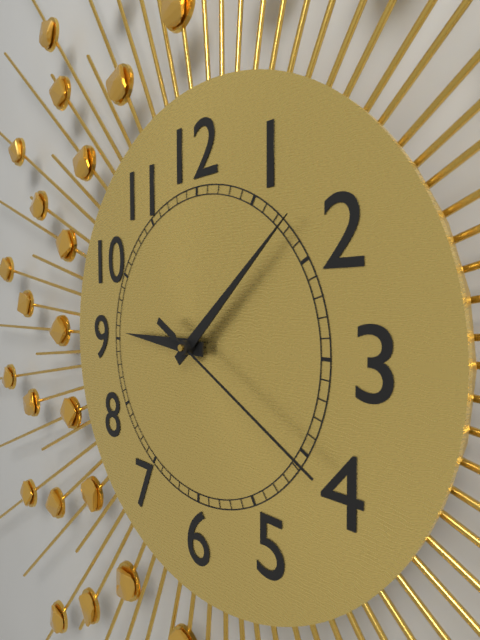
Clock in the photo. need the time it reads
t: 9:08:20
